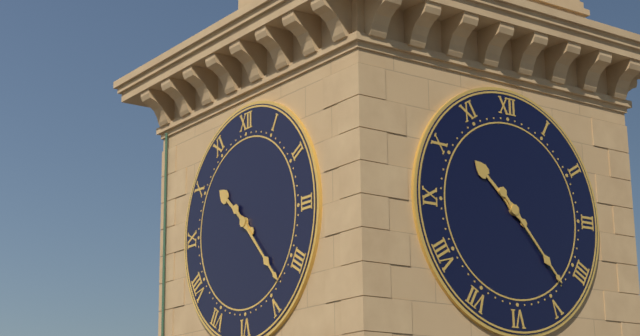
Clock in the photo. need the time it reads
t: 10:23
